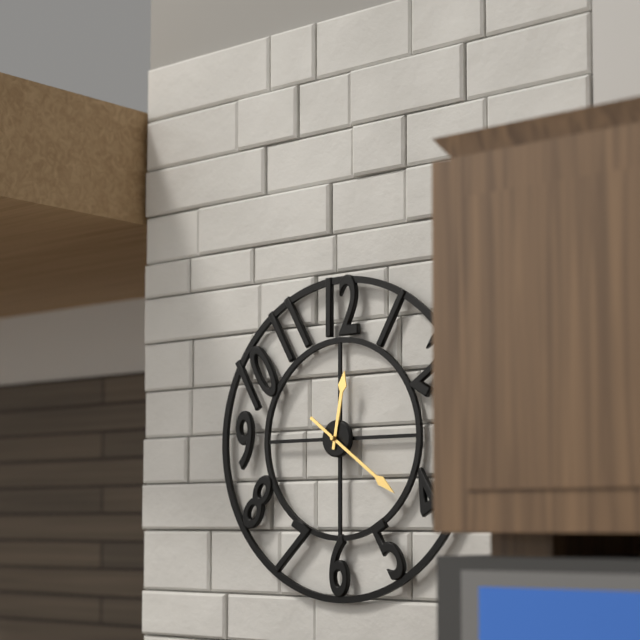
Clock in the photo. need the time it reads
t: 12:21
